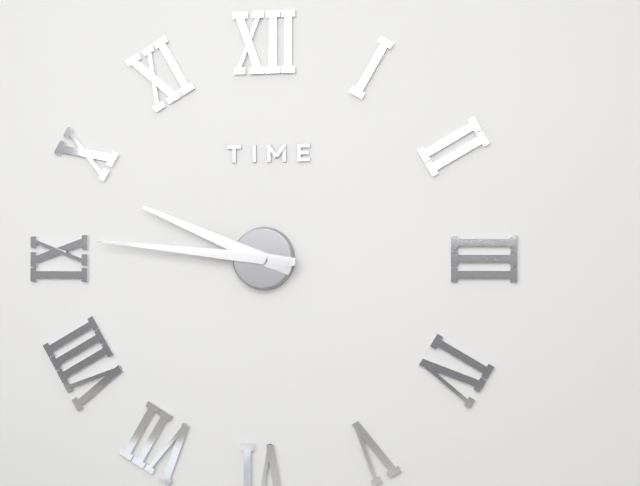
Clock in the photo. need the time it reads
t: 9:46
